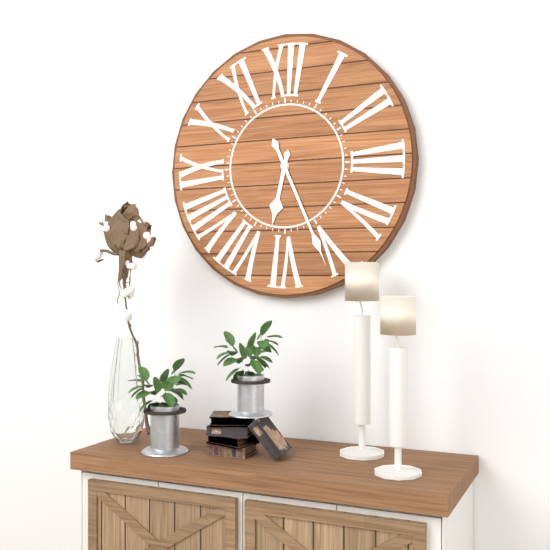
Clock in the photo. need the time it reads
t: 6:26
